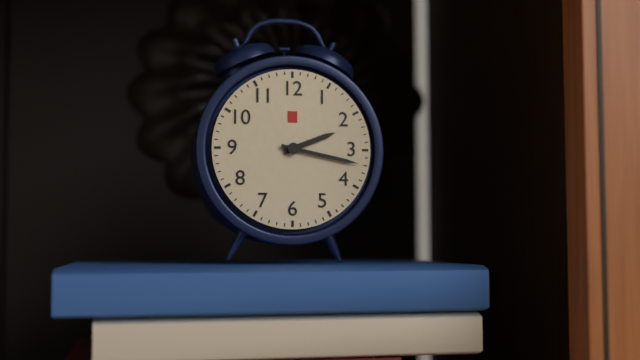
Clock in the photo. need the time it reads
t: 2:17
